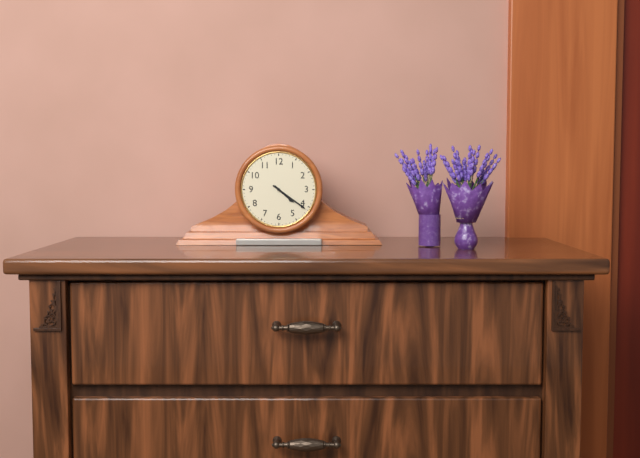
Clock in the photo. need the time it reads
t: 4:21
